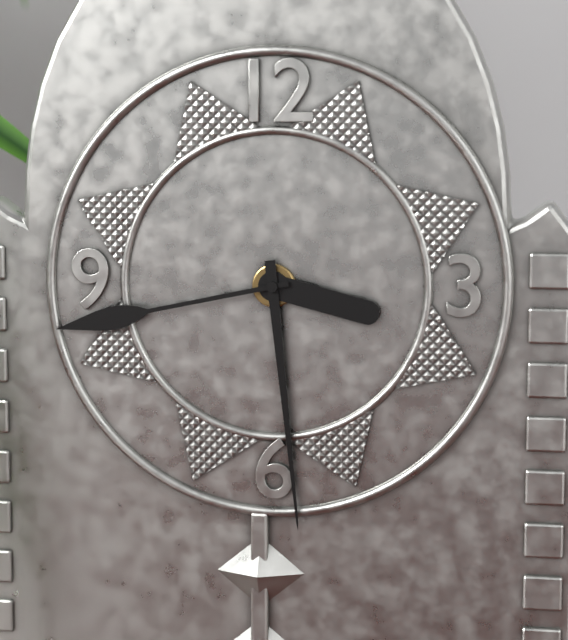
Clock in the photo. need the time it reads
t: 3:29:43
